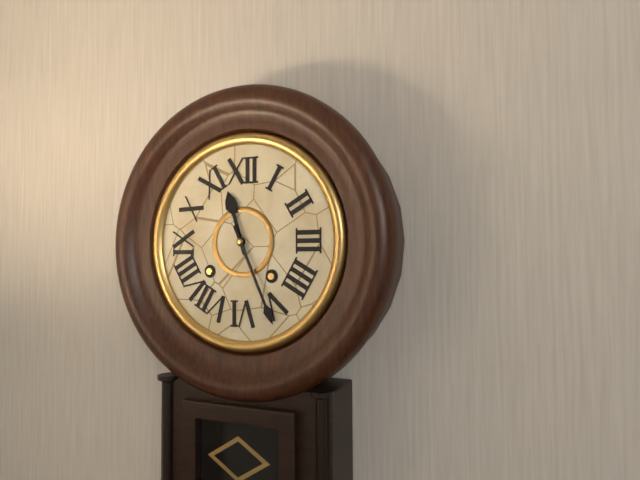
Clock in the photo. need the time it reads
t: 11:26
